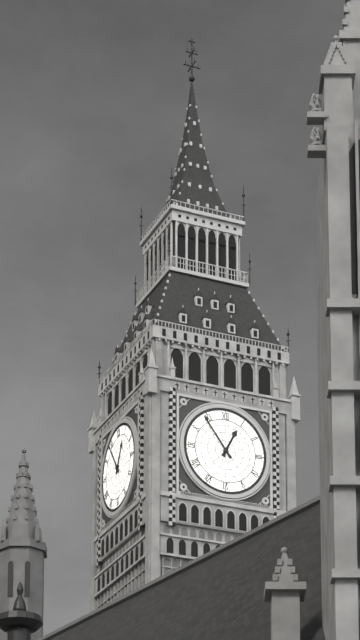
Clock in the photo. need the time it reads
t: 12:54
